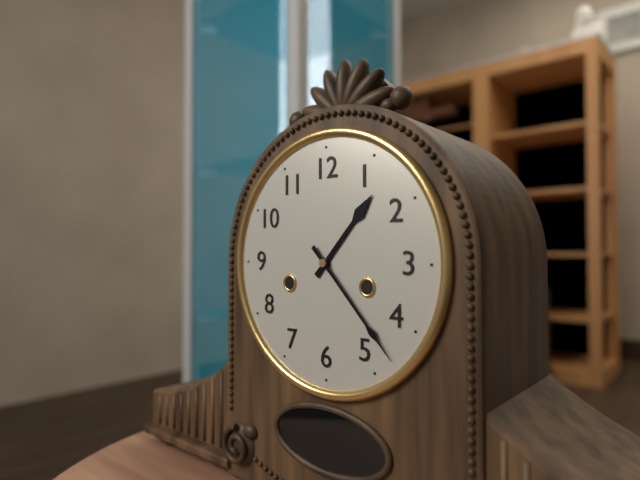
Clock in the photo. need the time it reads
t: 1:23
